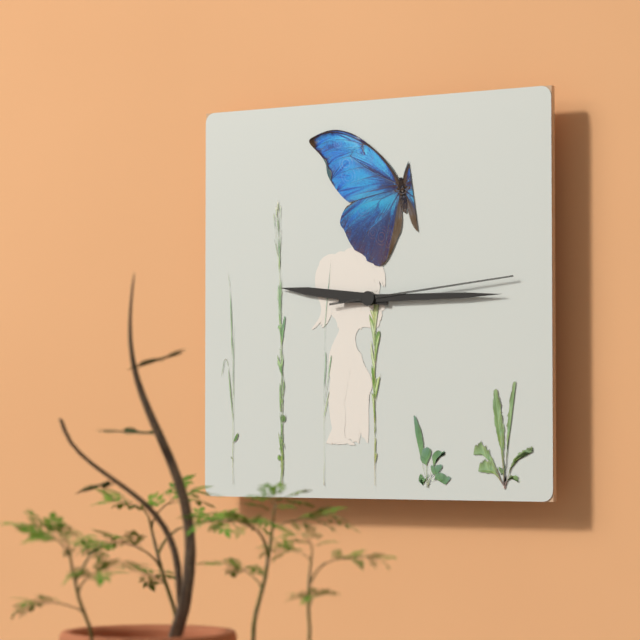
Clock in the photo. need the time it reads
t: 9:15:14
